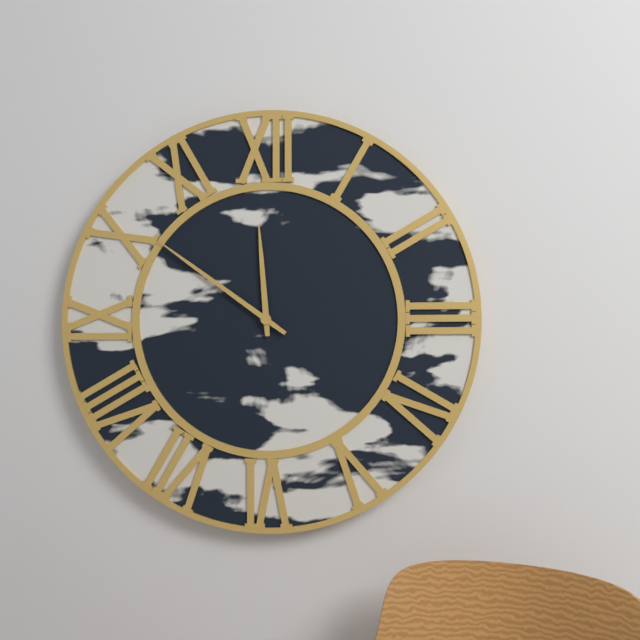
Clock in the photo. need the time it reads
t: 11:51
